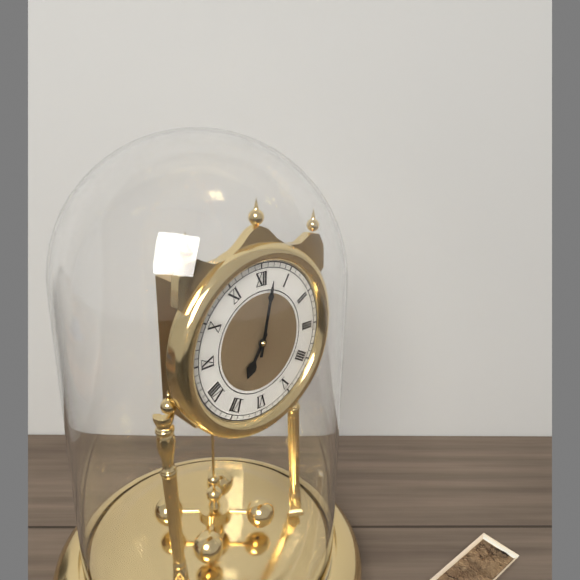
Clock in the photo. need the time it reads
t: 7:02
